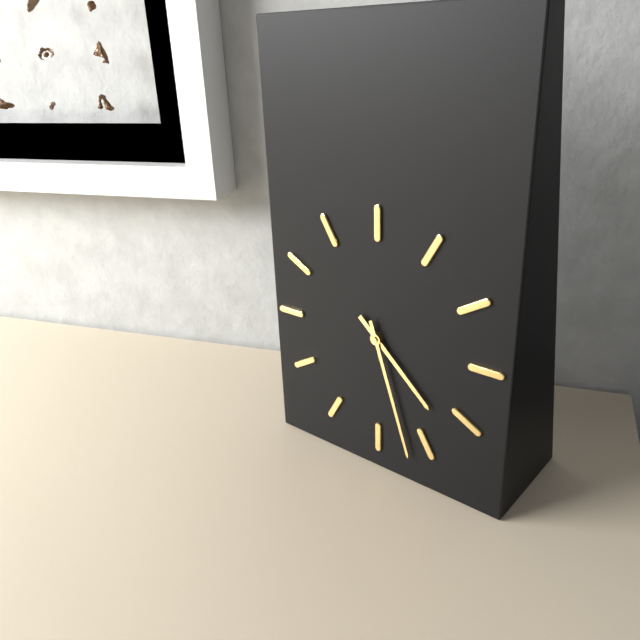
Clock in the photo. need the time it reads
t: 4:27
